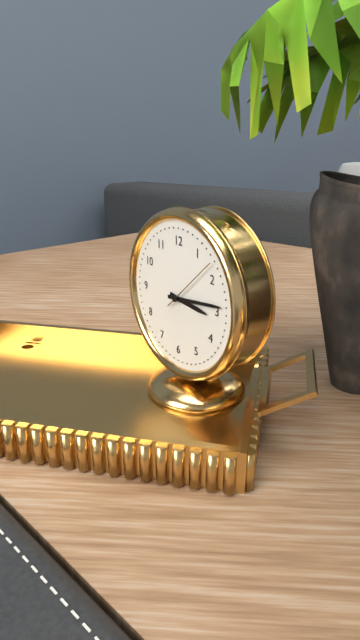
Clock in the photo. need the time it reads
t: 3:14:08
